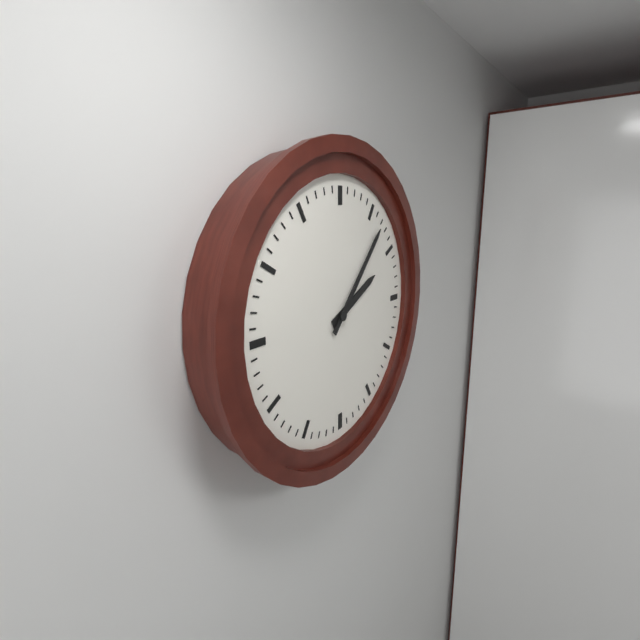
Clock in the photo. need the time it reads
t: 2:07
